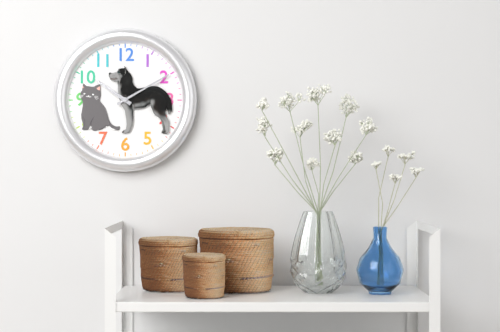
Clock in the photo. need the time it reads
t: 10:10
